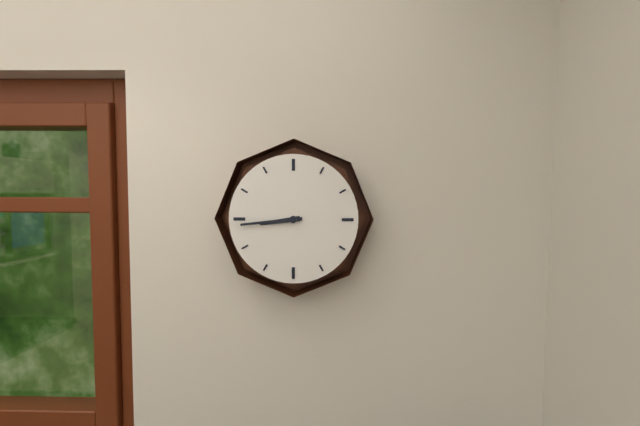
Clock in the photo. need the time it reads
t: 8:44
